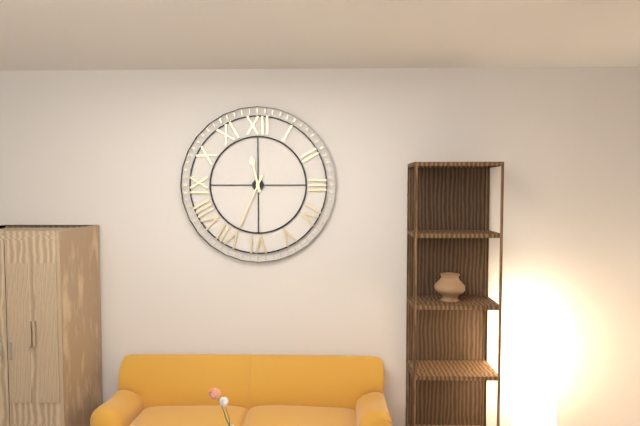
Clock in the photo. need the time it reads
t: 11:34
